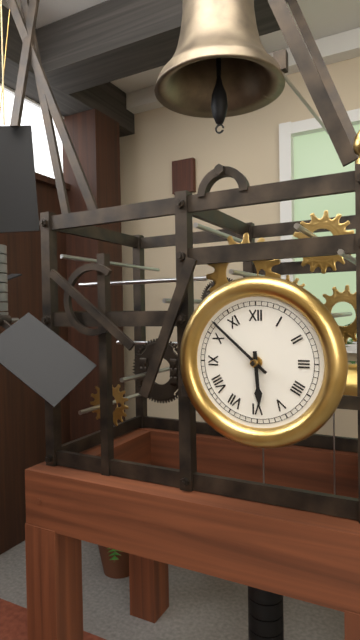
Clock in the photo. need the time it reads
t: 5:52
